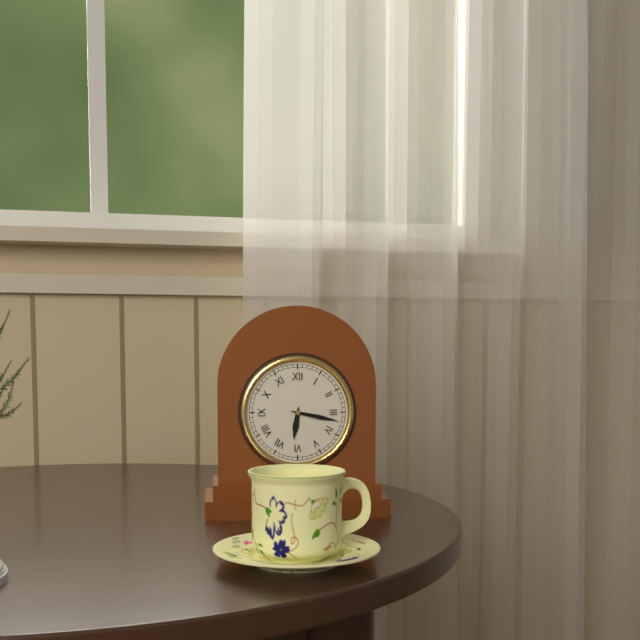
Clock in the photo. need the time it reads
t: 6:17
